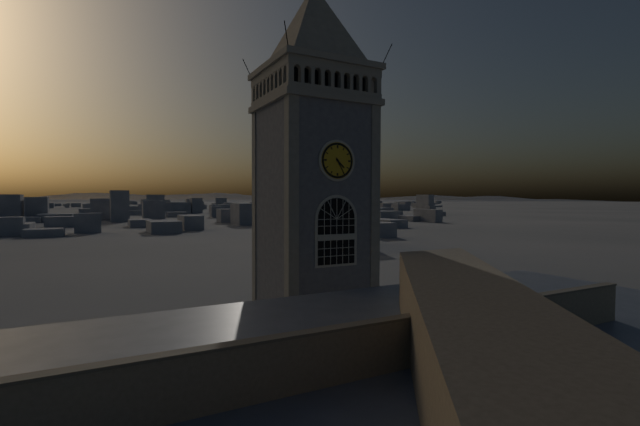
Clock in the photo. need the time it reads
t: 4:25
